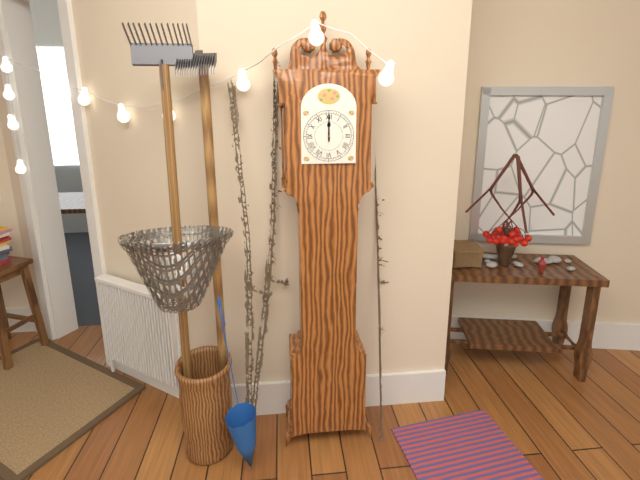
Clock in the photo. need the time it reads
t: 12:00
